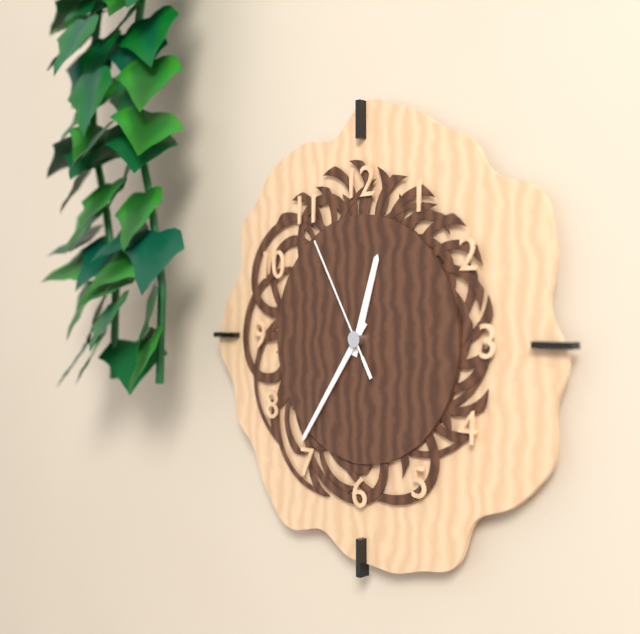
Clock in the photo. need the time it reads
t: 12:36:55
